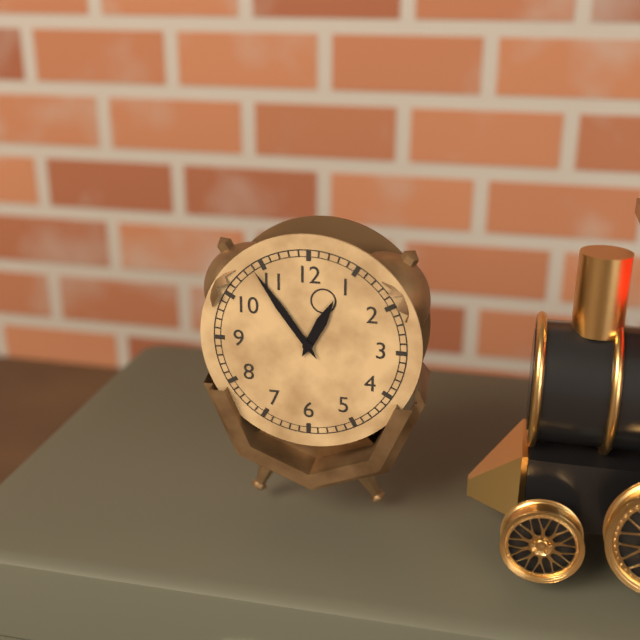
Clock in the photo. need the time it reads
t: 12:54
